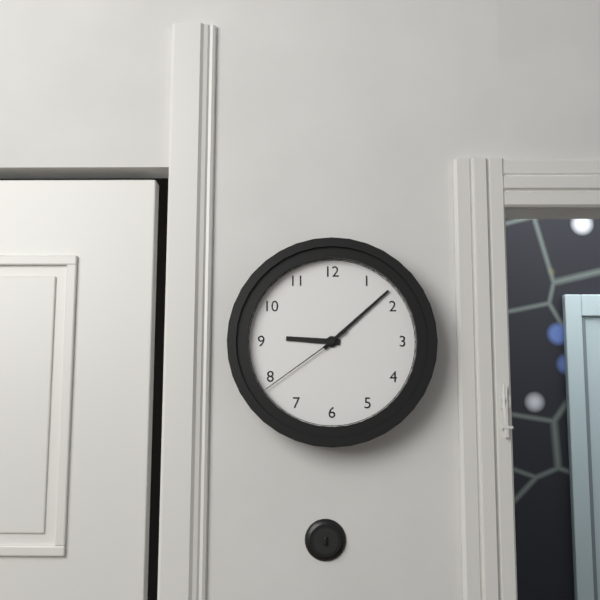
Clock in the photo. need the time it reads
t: 9:08:39
